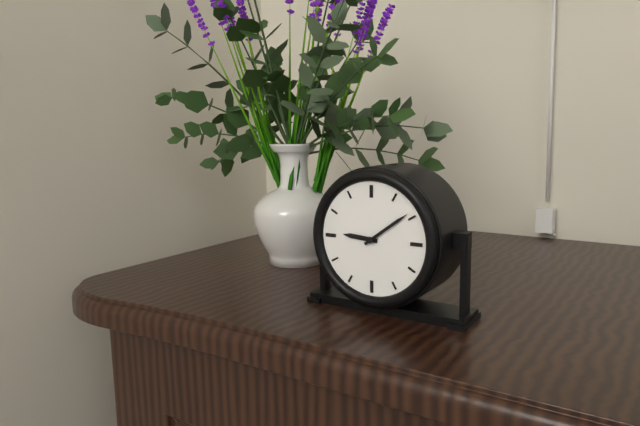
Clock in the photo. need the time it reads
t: 9:09
